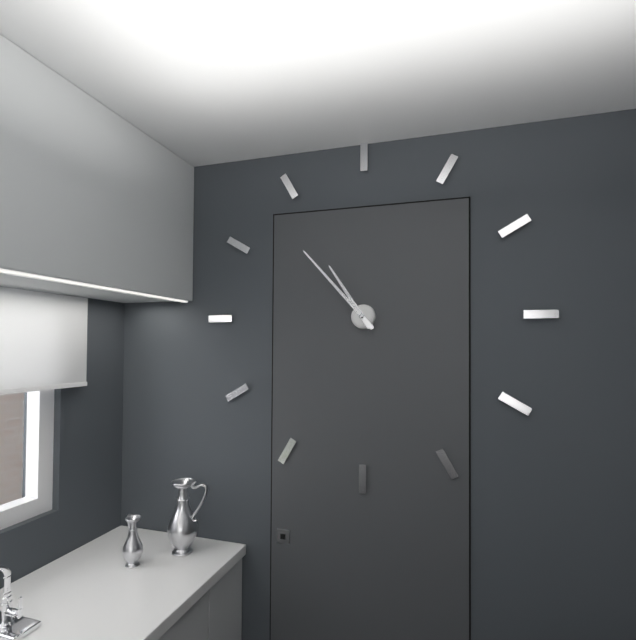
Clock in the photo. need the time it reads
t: 10:53
